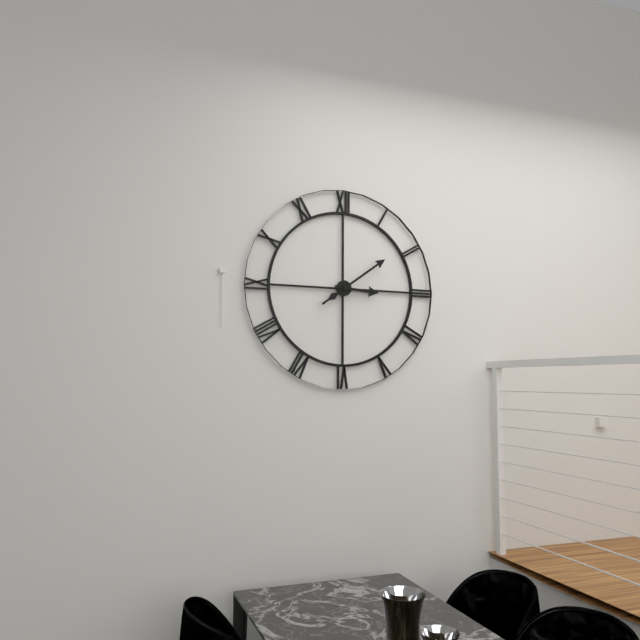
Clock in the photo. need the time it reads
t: 3:09
